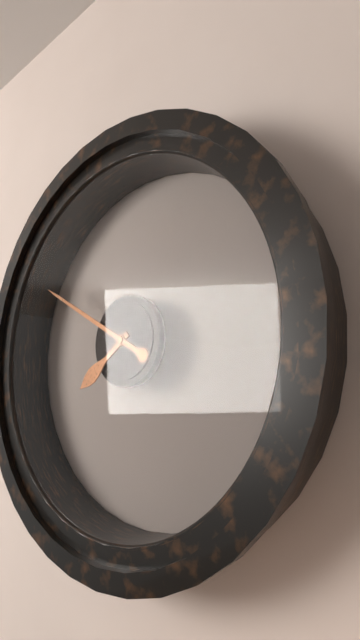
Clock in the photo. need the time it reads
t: 7:50
